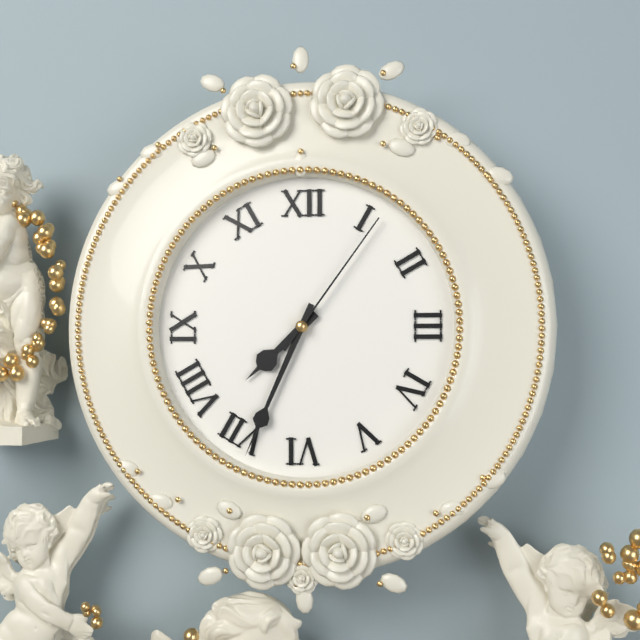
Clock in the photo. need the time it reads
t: 7:34:06
